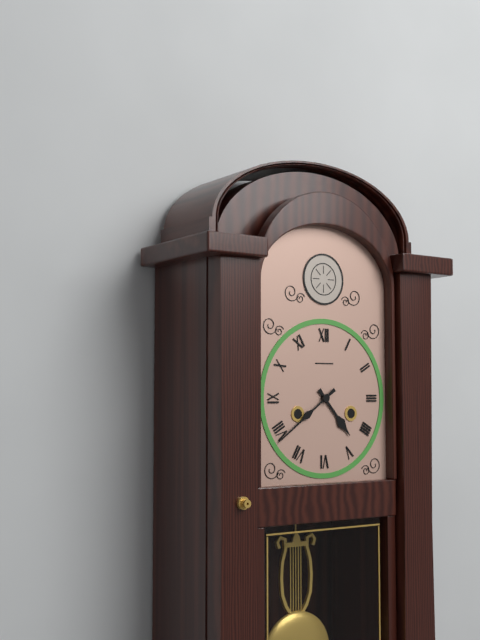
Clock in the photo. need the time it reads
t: 4:39
